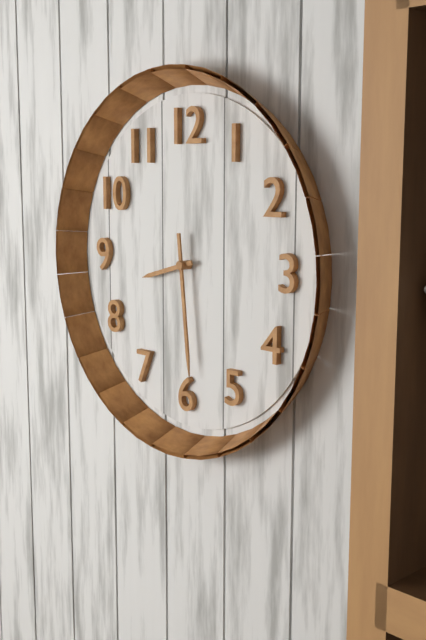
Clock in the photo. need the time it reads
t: 8:29
